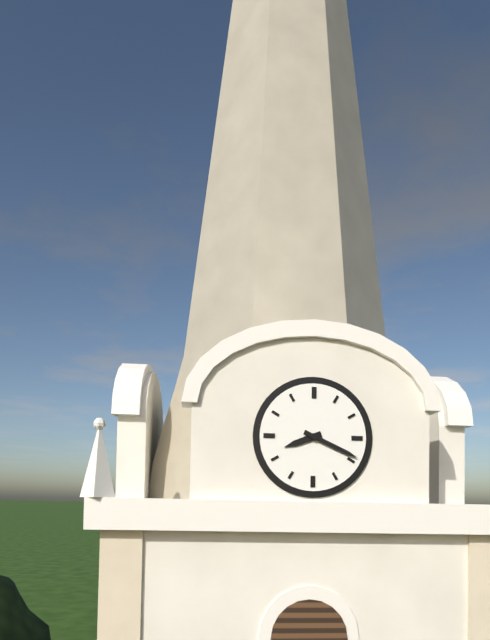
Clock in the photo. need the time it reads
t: 8:19
